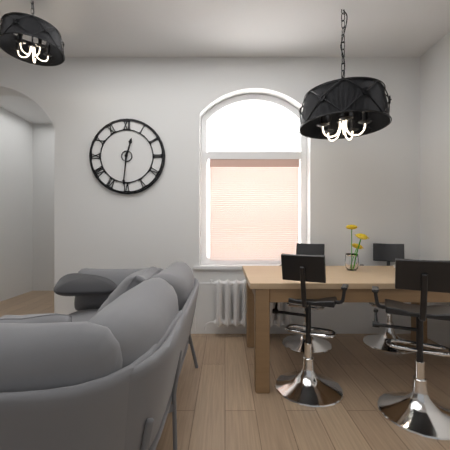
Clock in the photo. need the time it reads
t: 12:31
